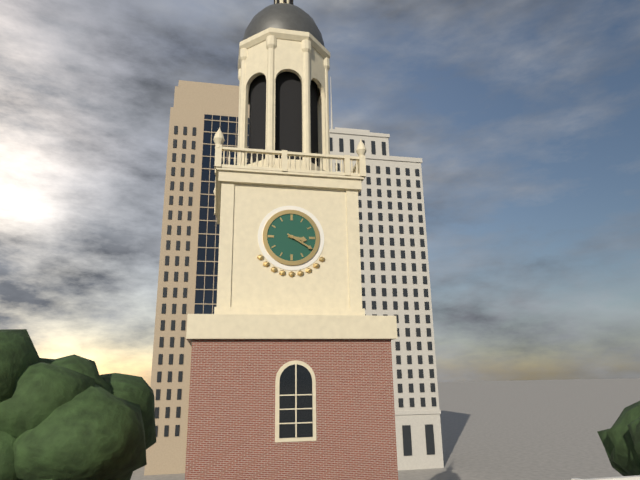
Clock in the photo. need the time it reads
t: 3:20
